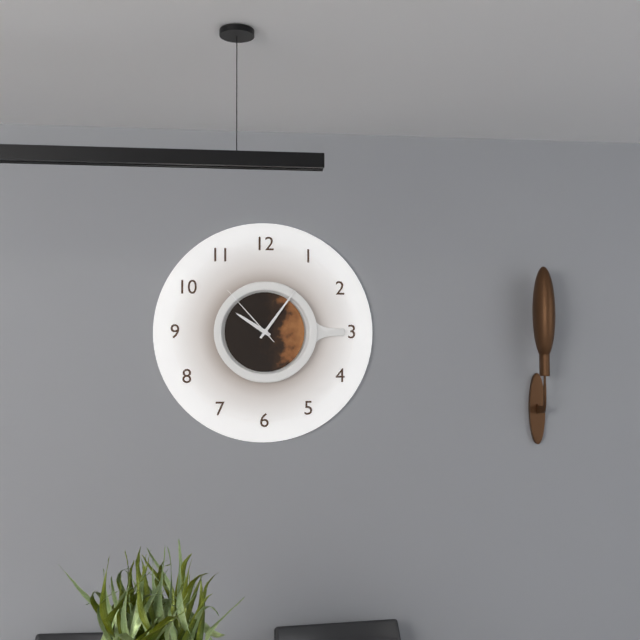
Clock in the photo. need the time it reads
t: 10:06:53
